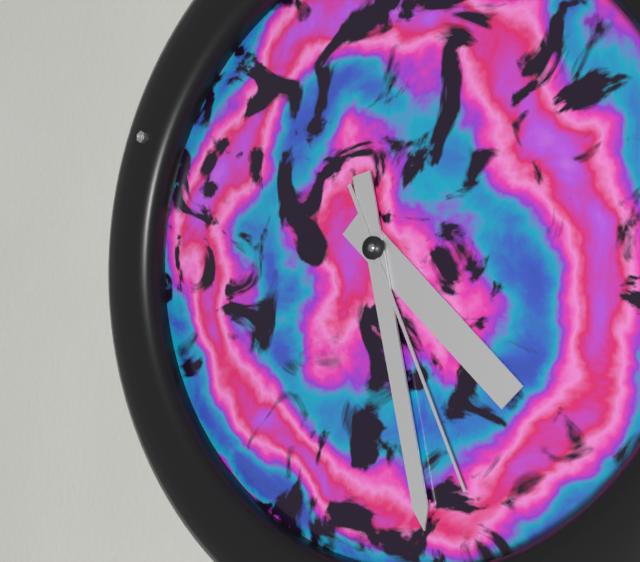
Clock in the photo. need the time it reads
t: 4:28:26
